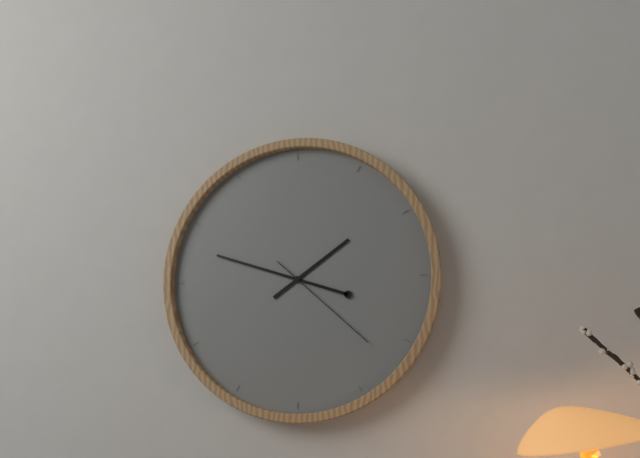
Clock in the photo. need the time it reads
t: 1:48:22
